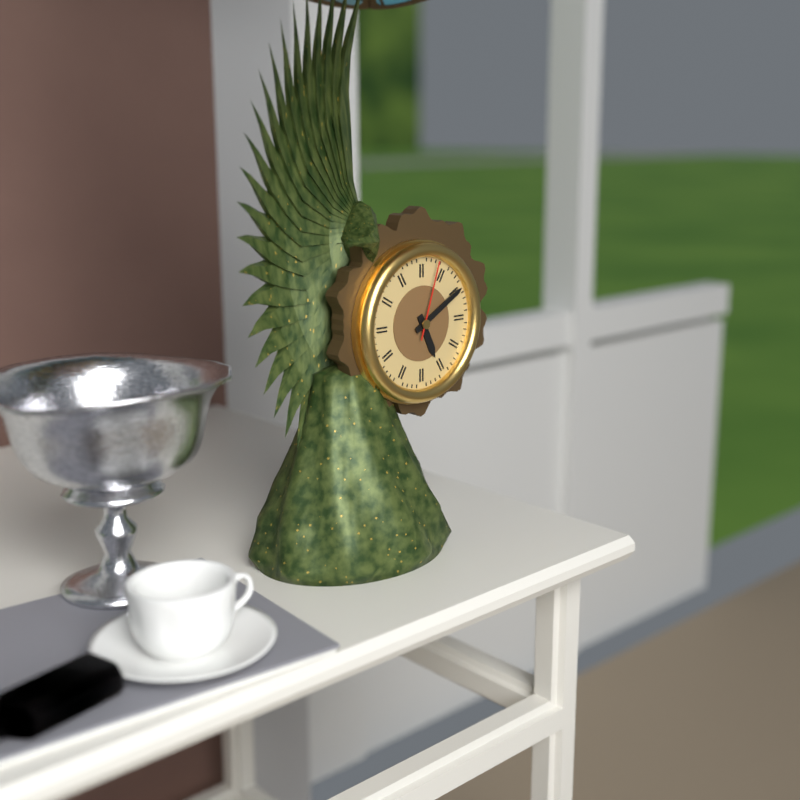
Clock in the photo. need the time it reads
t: 5:10:03
